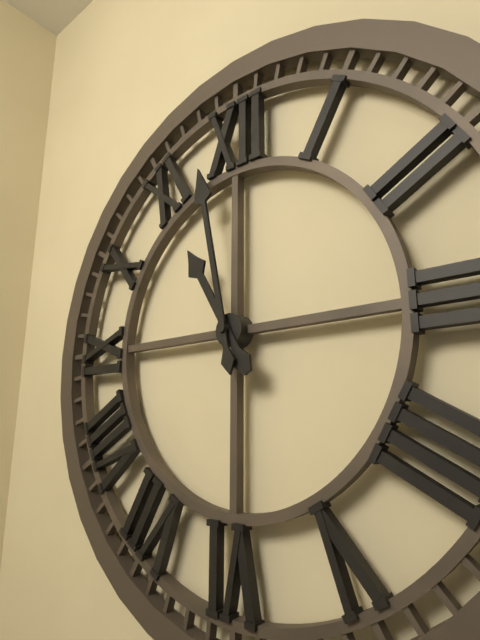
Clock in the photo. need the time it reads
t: 10:58
